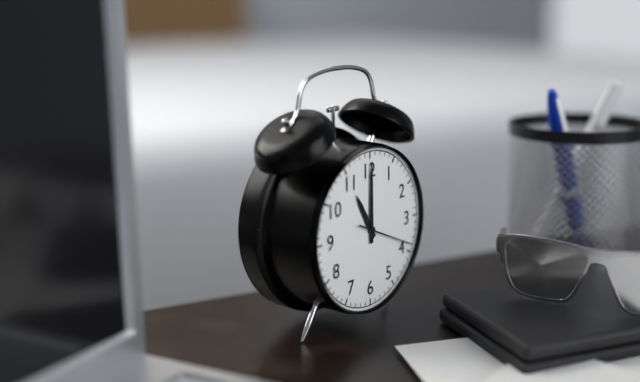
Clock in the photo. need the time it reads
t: 11:00:19
